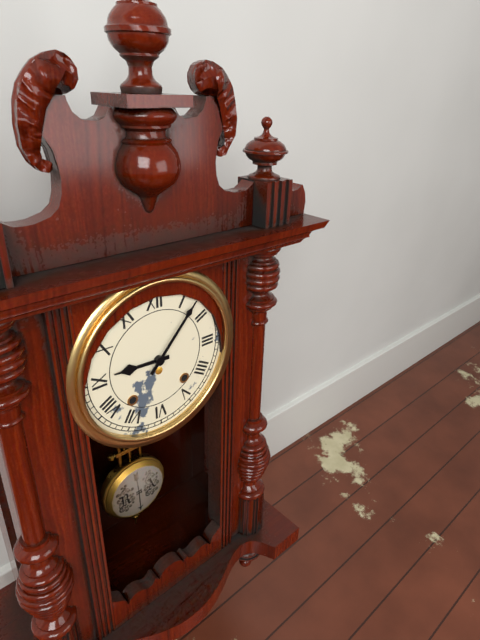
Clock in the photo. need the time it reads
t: 9:07
